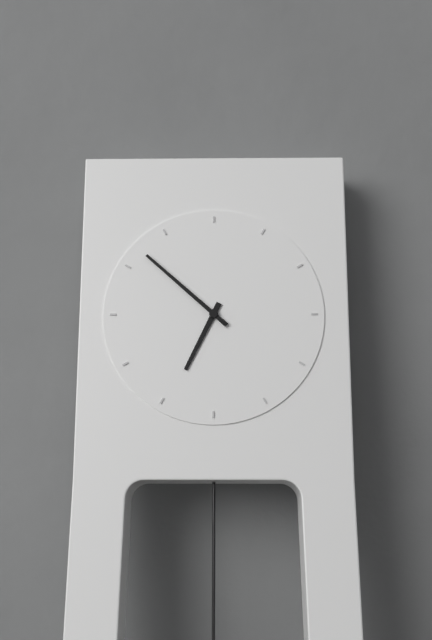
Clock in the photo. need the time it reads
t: 6:52
